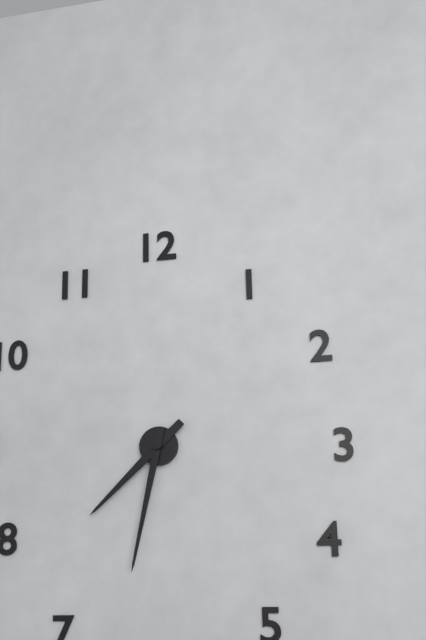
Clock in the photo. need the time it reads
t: 7:32
